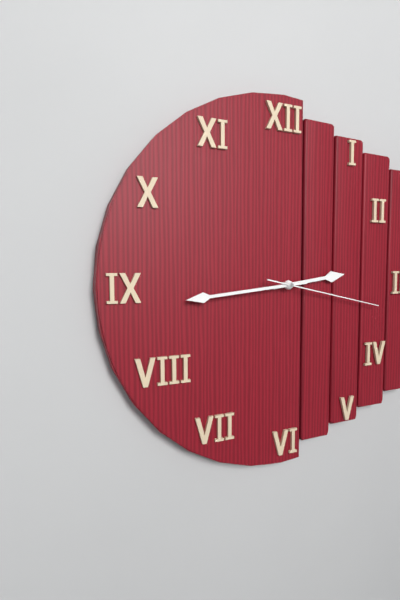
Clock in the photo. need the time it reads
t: 2:44:17
